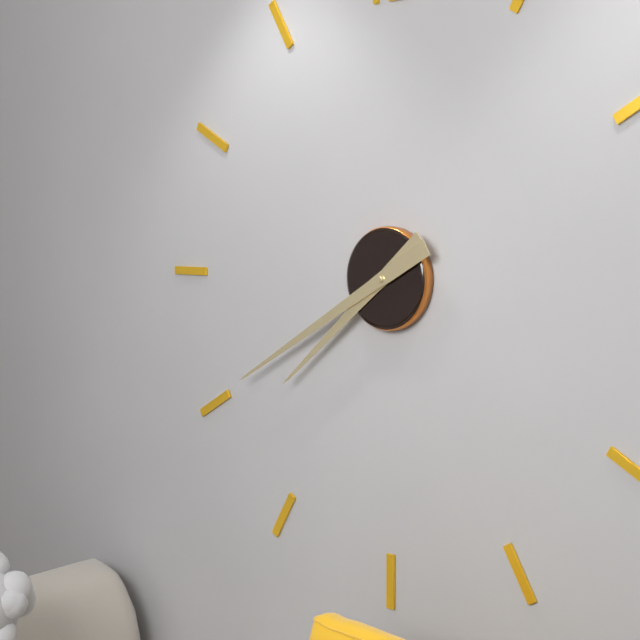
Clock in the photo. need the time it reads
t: 7:40
